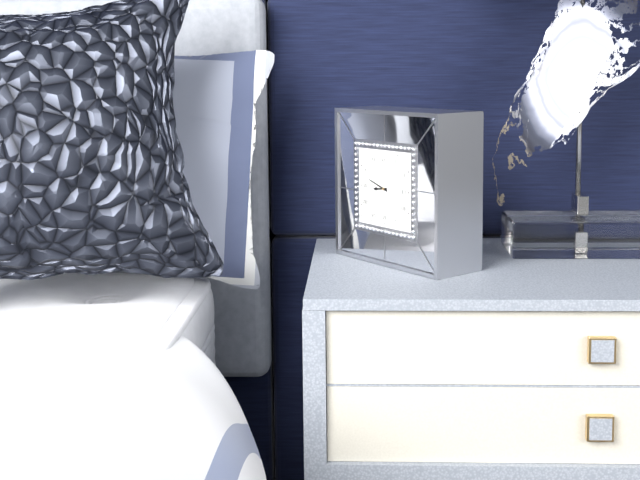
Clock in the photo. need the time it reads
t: 8:48
